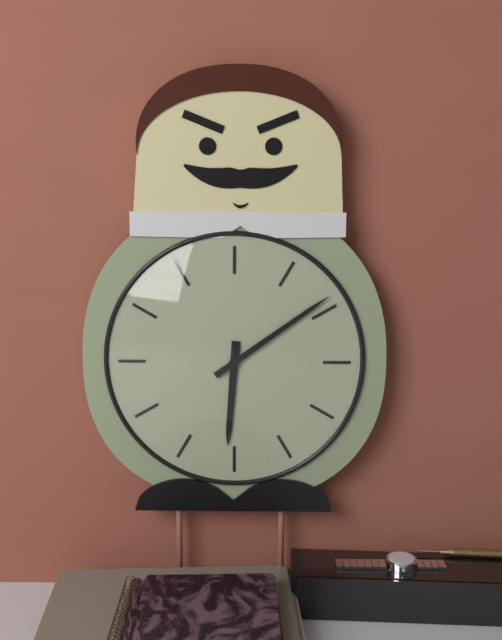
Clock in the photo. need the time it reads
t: 6:09
